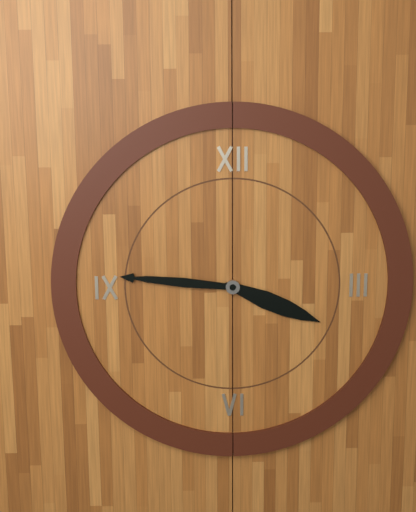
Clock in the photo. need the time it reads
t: 3:46
